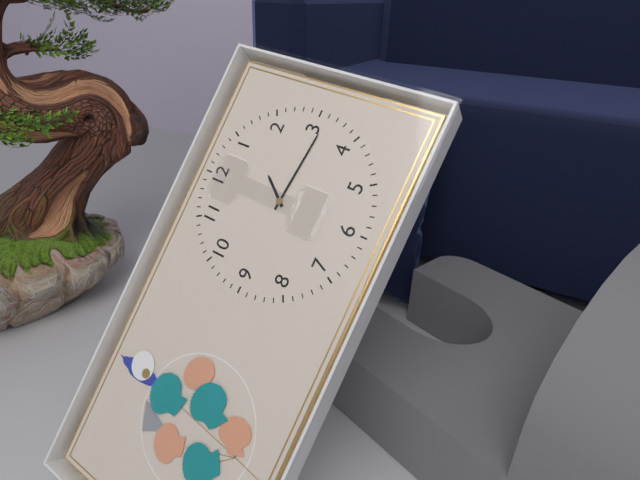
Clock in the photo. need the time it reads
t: 1:16
